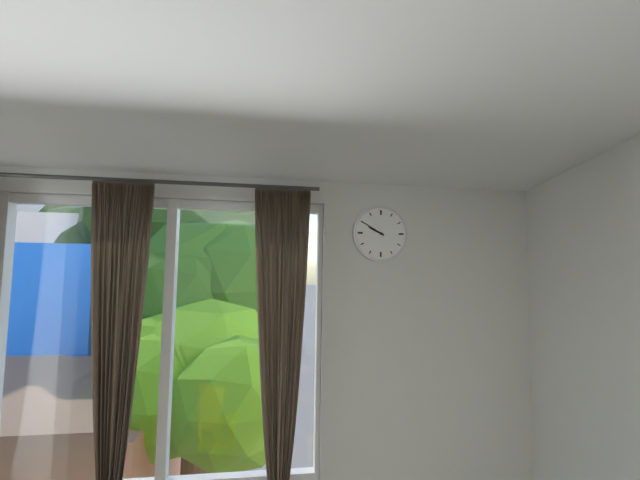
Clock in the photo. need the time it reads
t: 9:50
